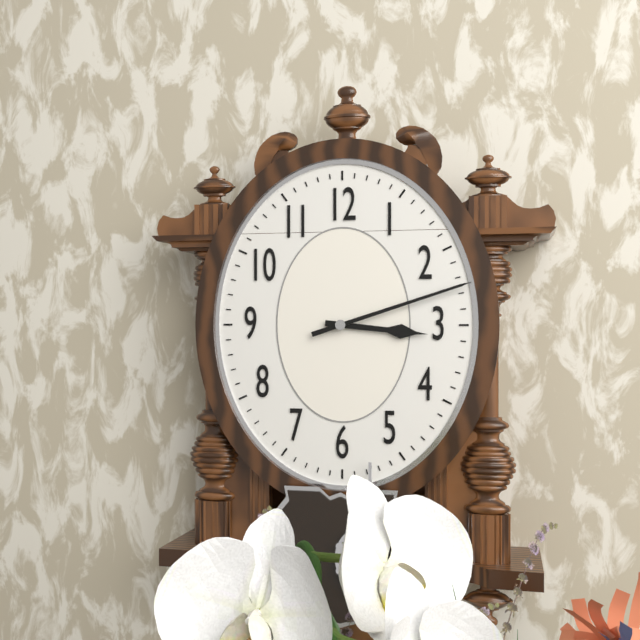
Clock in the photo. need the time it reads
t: 3:12
